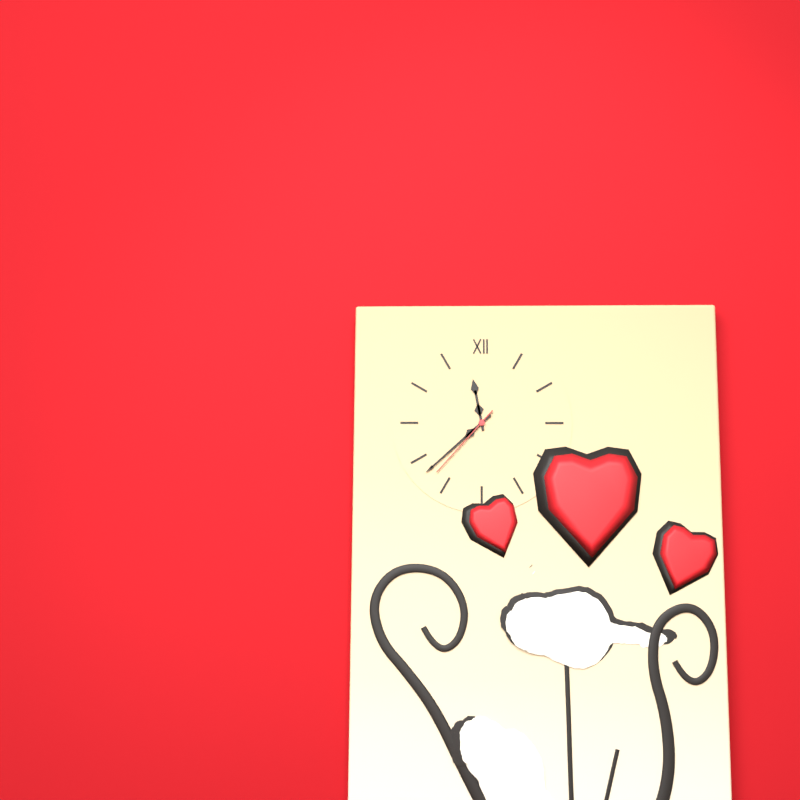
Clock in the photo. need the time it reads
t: 11:38:37
